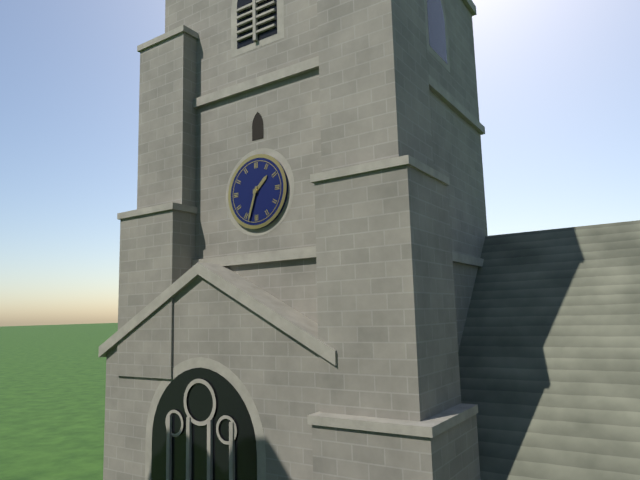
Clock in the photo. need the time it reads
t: 1:33
